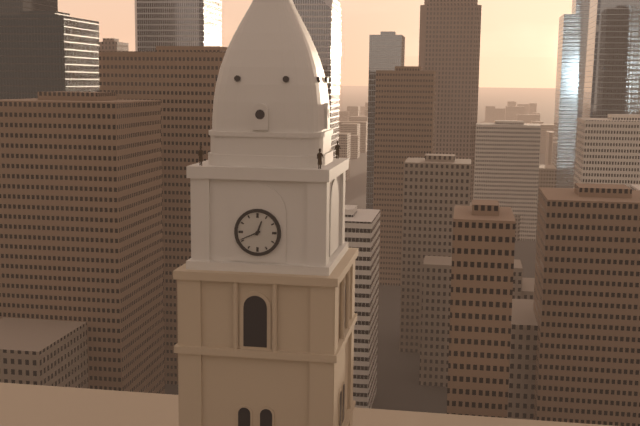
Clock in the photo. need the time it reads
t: 12:41
